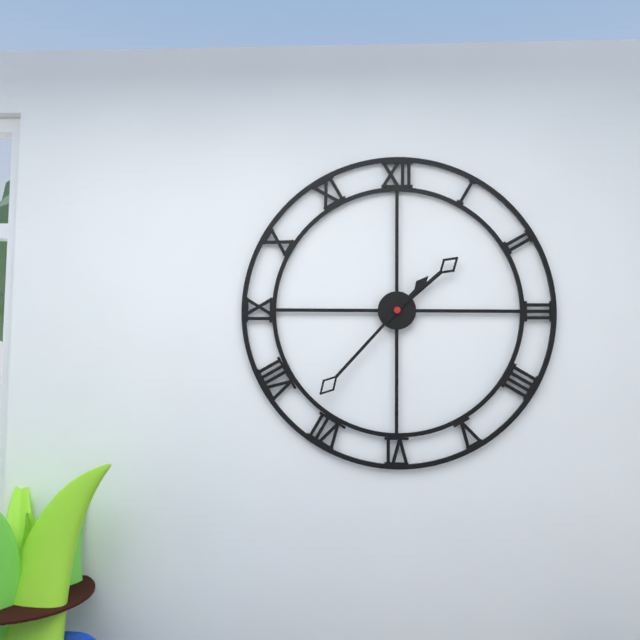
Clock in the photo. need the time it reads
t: 1:37
